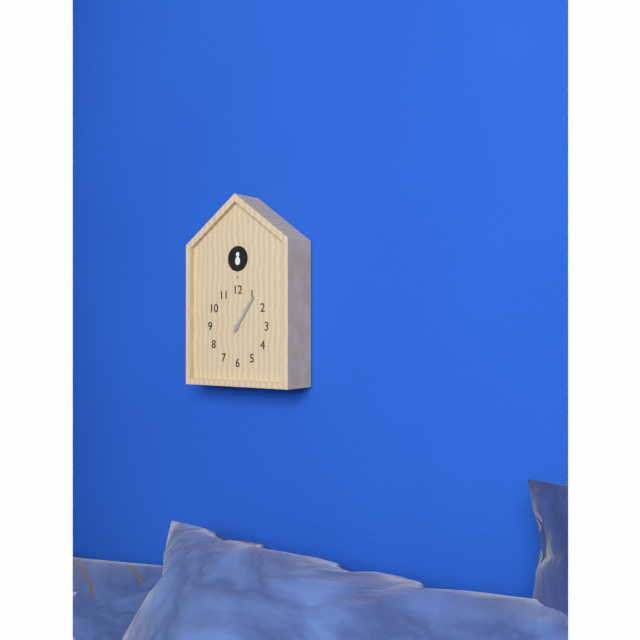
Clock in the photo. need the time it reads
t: 1:06
